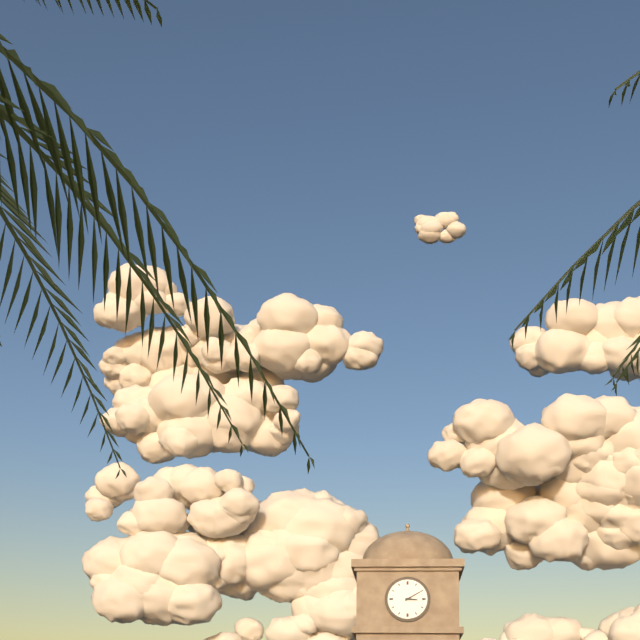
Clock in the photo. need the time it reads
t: 3:10
